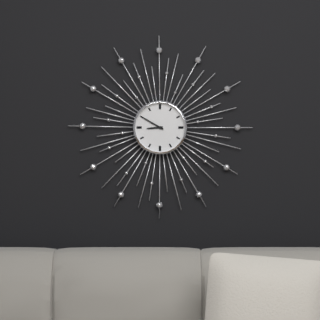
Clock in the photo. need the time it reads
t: 8:50
